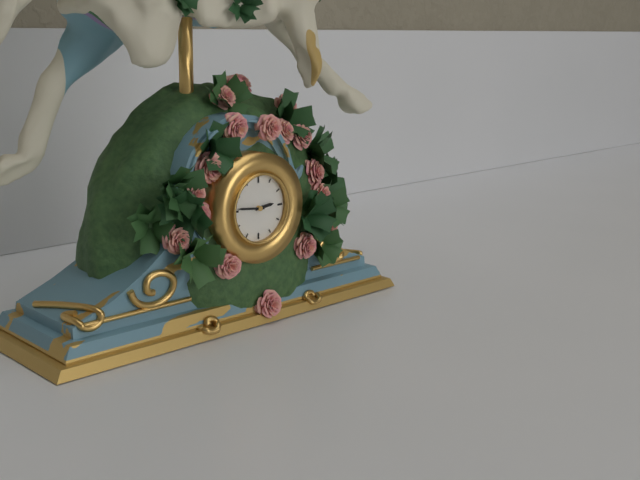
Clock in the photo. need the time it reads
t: 2:46
